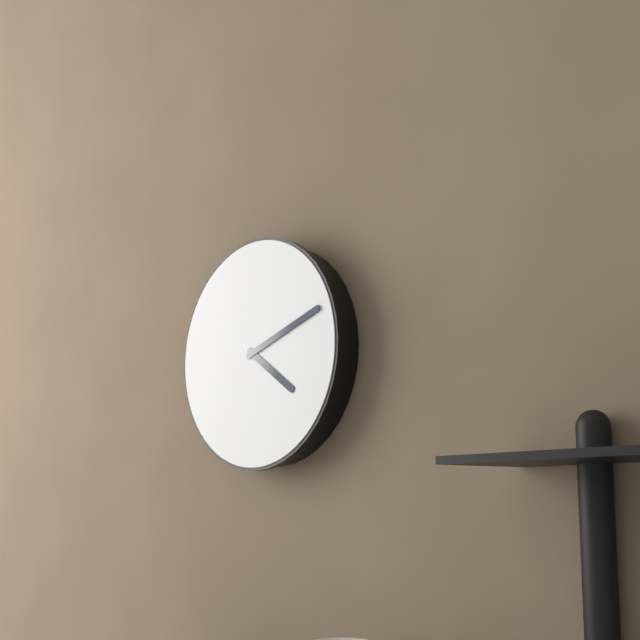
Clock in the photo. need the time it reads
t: 4:12
